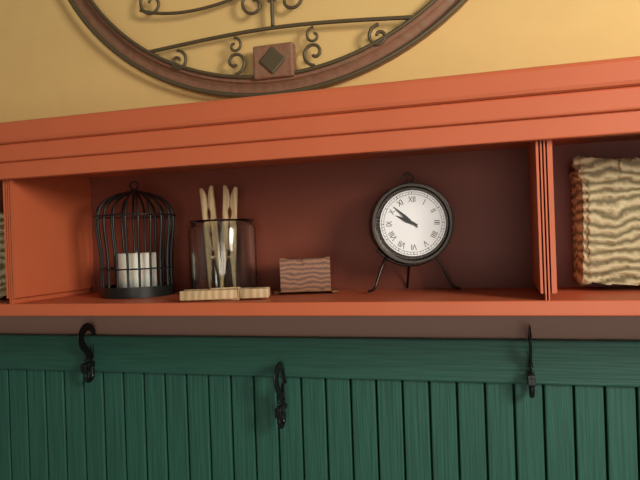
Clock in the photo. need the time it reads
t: 9:52
